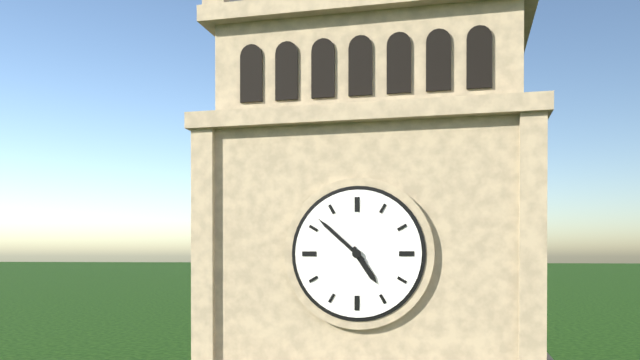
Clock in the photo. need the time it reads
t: 4:52
